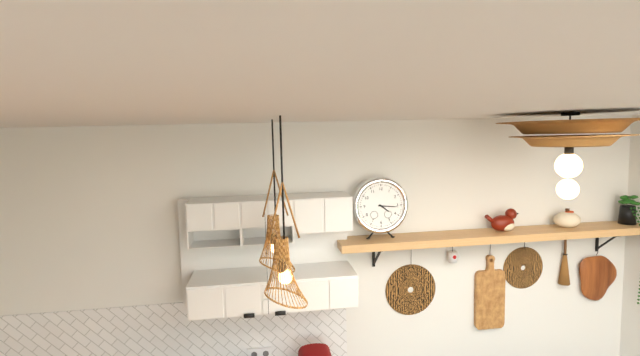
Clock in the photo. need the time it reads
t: 4:16
